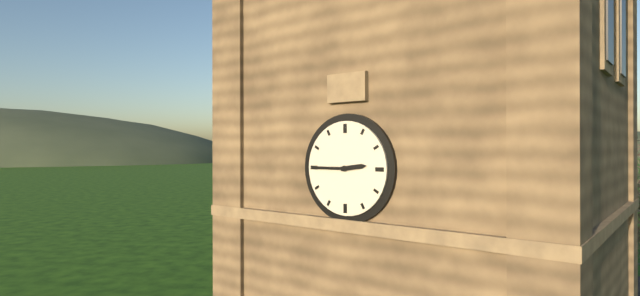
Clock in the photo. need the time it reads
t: 2:45
